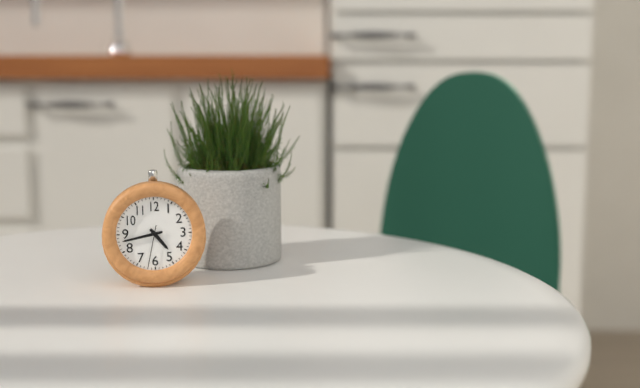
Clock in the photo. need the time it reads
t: 4:43
